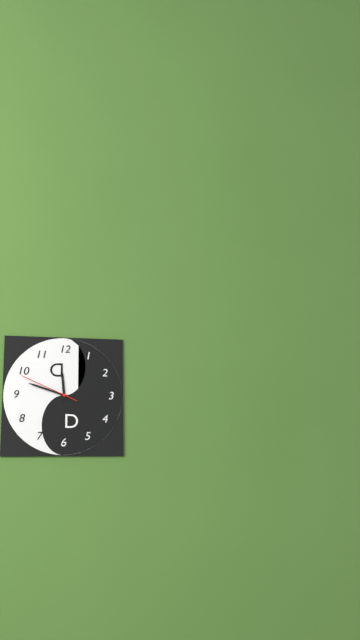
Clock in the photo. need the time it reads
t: 11:48:49
